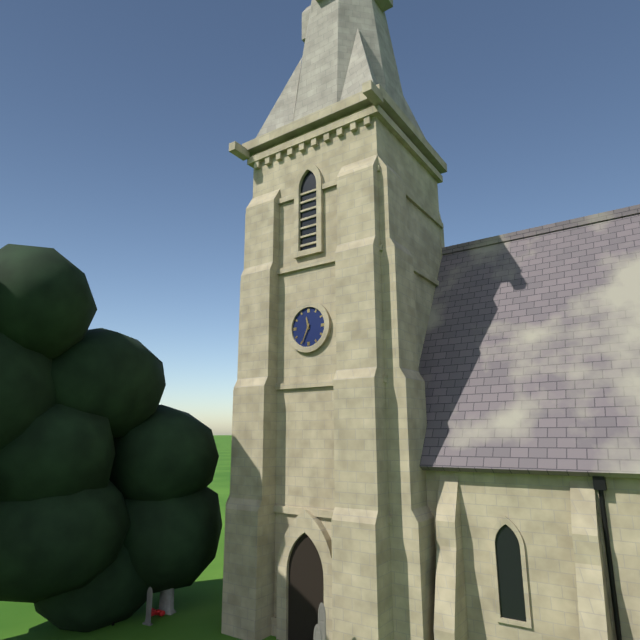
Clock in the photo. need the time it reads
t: 11:34
